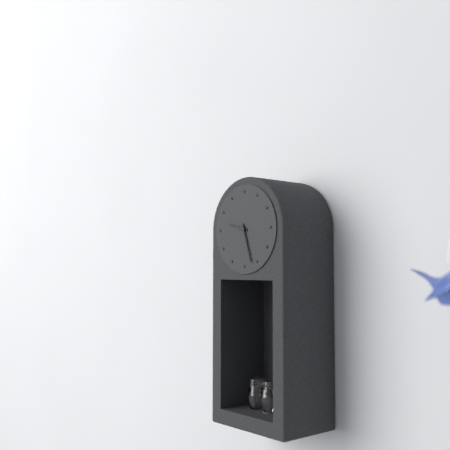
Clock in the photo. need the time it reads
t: 9:27
